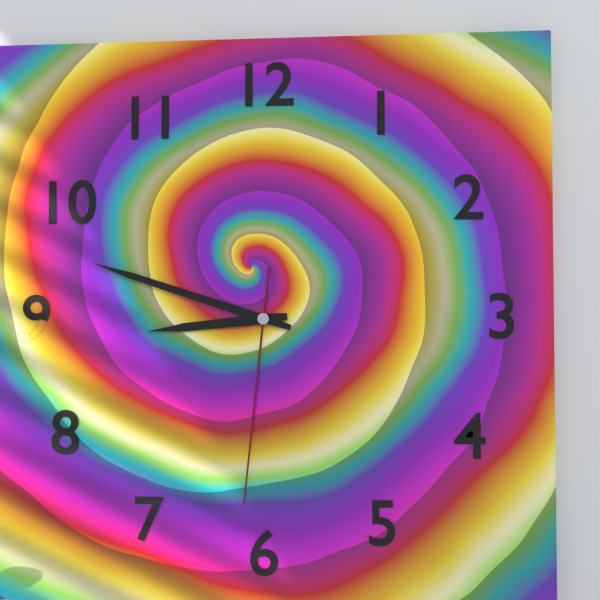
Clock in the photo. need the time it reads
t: 8:48:31
